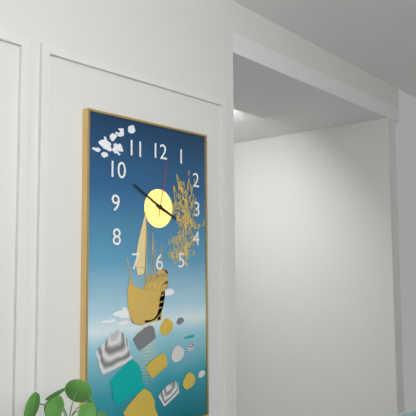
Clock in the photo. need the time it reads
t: 3:50:02
